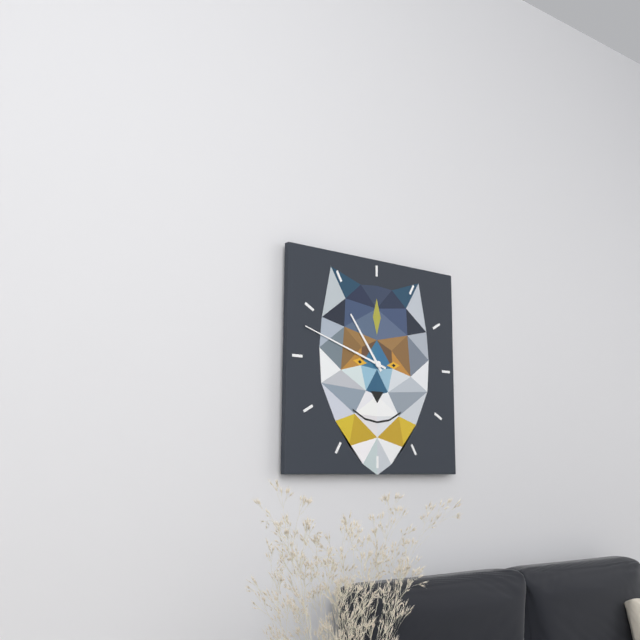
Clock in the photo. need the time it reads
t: 10:48
